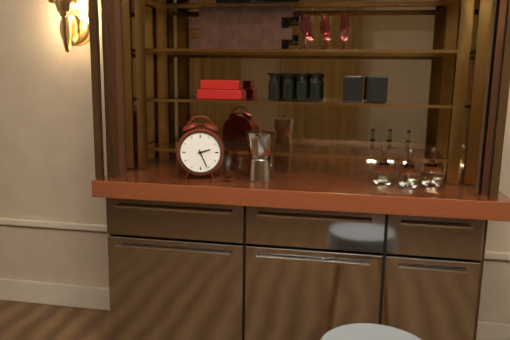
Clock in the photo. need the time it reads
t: 2:26
